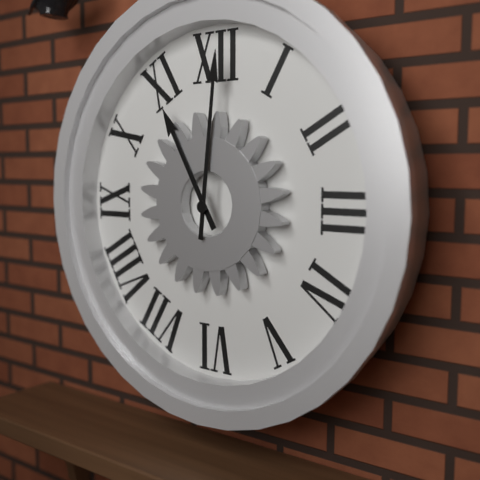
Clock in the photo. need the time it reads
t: 11:01
